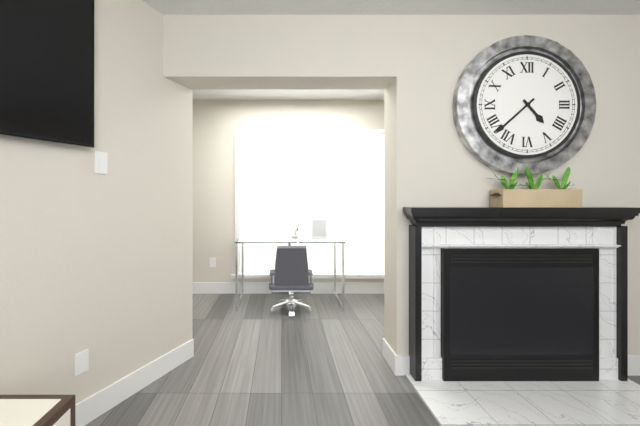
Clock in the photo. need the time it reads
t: 4:38
